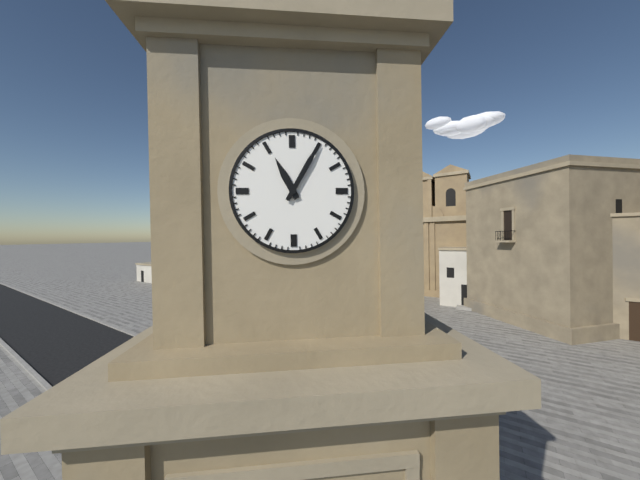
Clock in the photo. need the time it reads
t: 11:05
